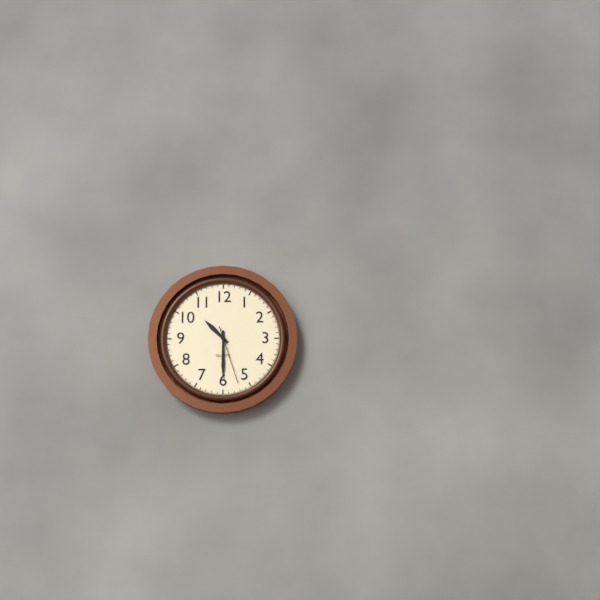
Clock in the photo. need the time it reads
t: 10:30:27
